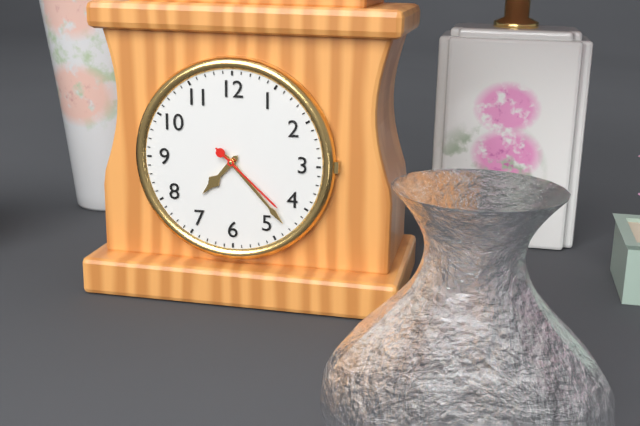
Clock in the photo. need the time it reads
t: 7:23:22
